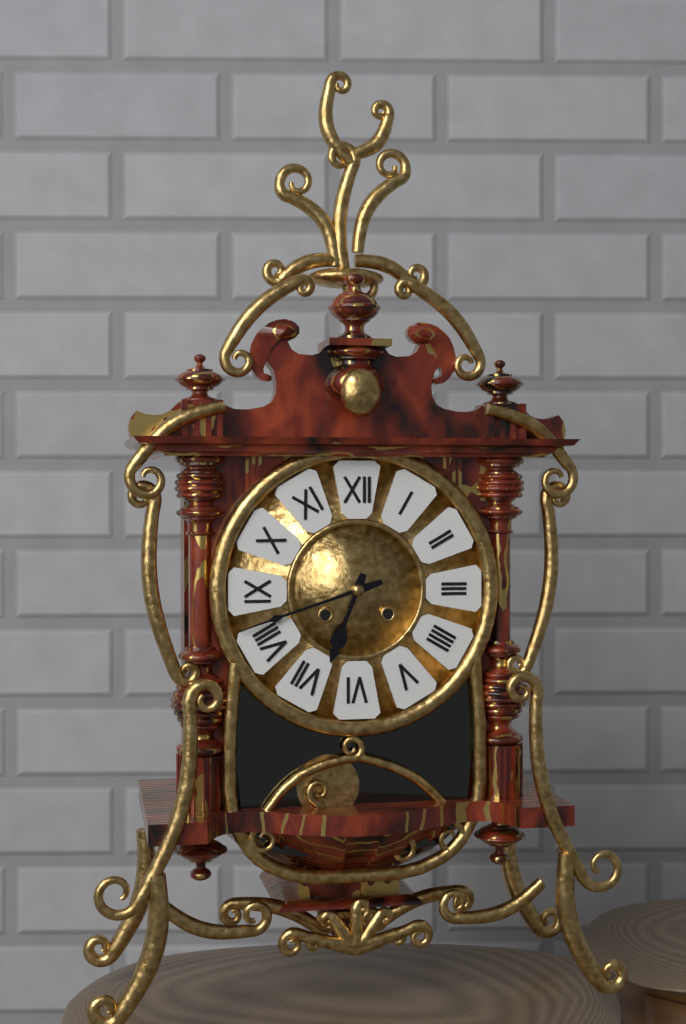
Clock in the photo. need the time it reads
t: 6:42
